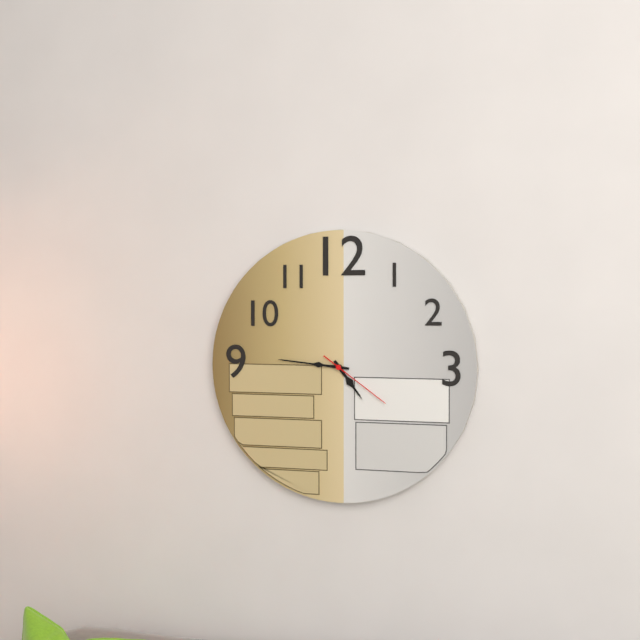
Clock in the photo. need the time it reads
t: 4:46:21
